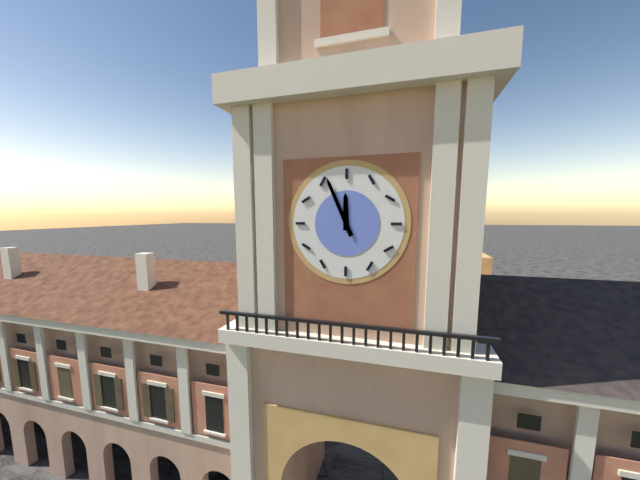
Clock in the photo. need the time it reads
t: 11:56
